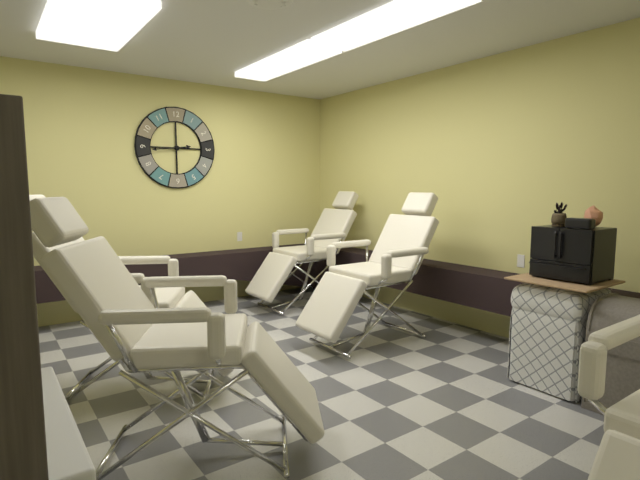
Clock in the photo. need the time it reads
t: 2:44
